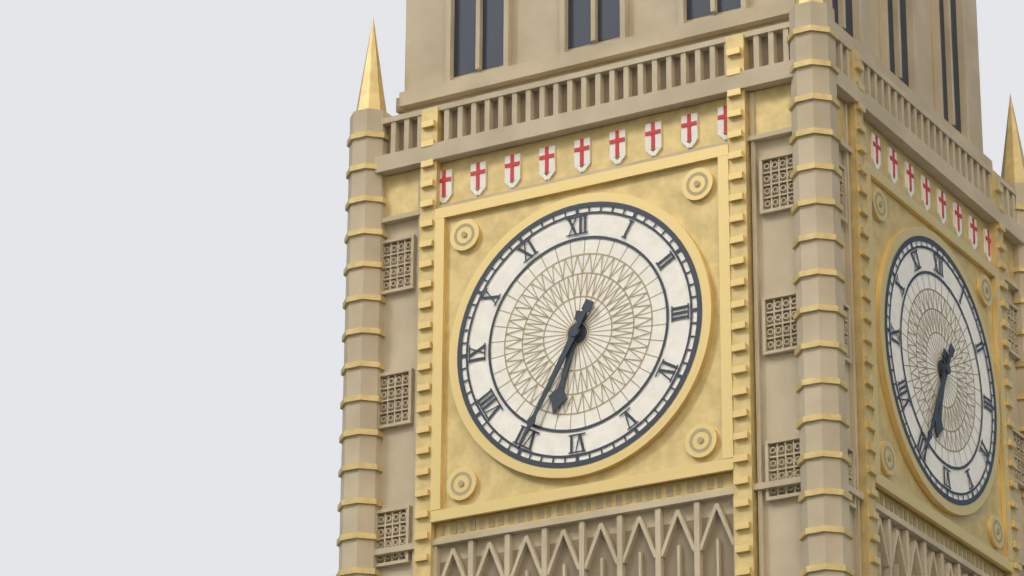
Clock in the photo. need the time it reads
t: 6:35
